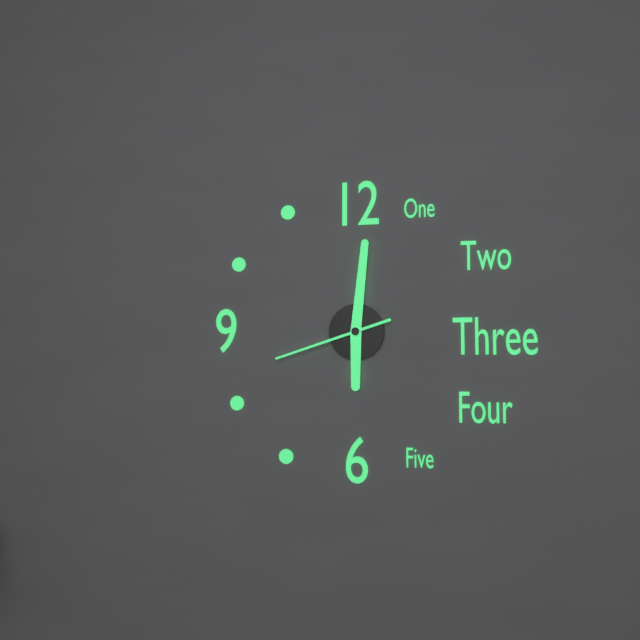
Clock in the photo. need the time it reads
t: 6:01:42
